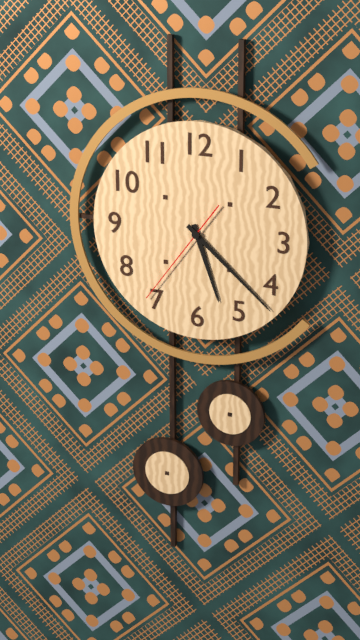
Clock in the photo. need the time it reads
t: 5:22:36
